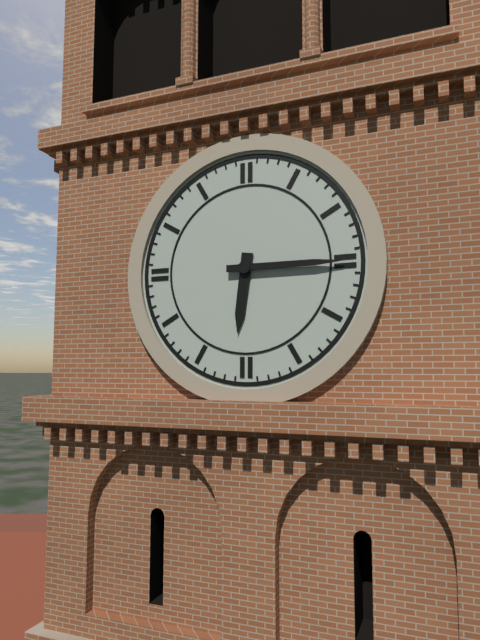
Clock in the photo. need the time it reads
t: 6:15
